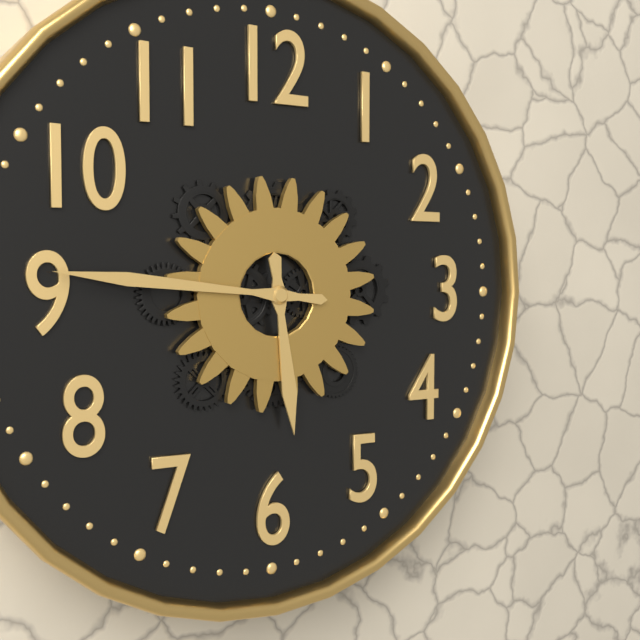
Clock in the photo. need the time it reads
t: 5:46
